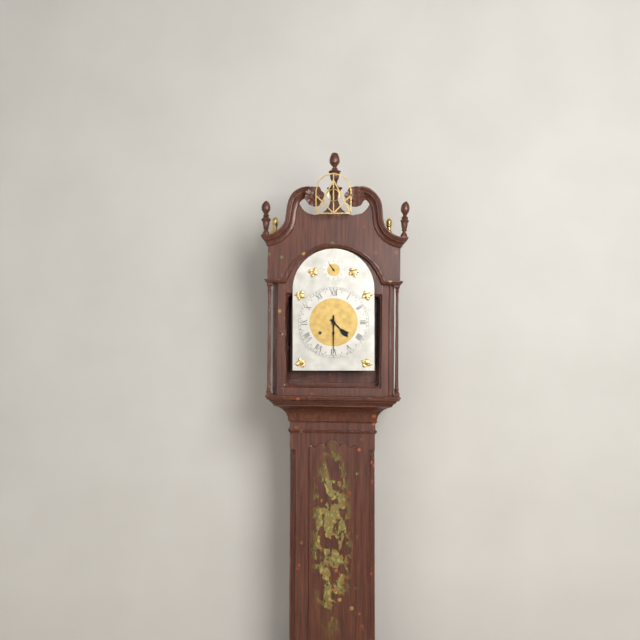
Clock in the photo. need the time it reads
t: 4:30
